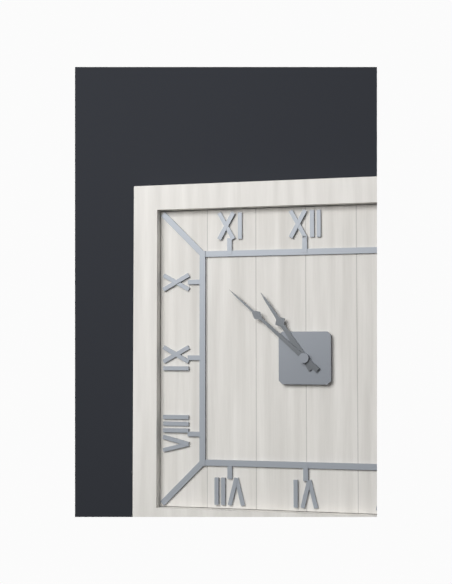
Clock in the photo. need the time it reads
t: 10:52
